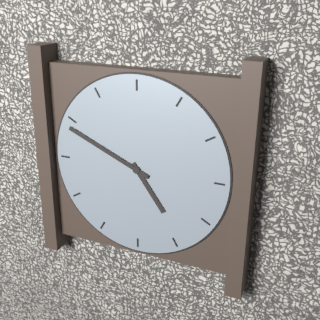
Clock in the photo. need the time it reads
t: 4:49
